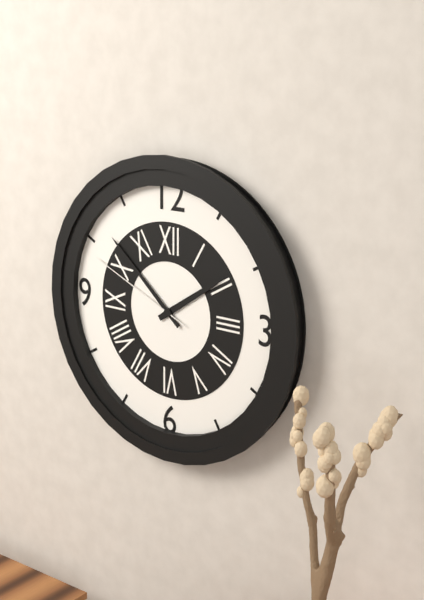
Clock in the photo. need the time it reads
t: 1:52:49
